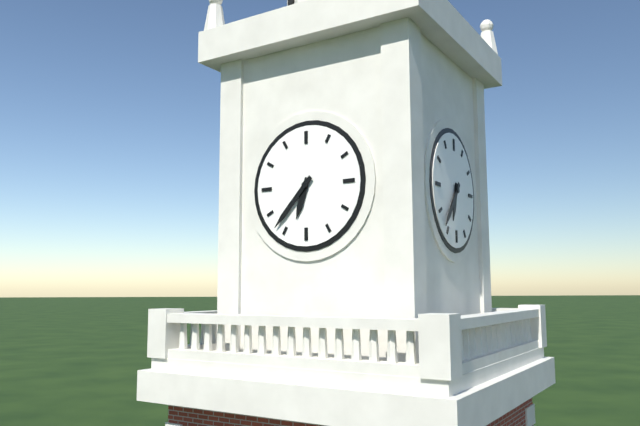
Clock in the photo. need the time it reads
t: 6:37
